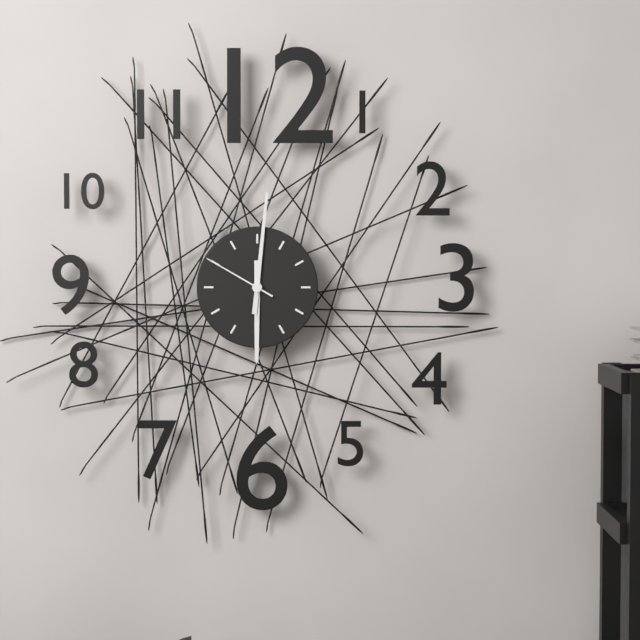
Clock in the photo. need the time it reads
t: 6:01:50
